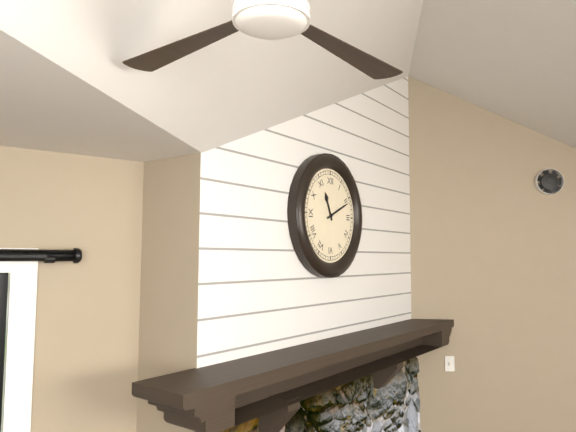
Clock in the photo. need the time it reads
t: 11:11
